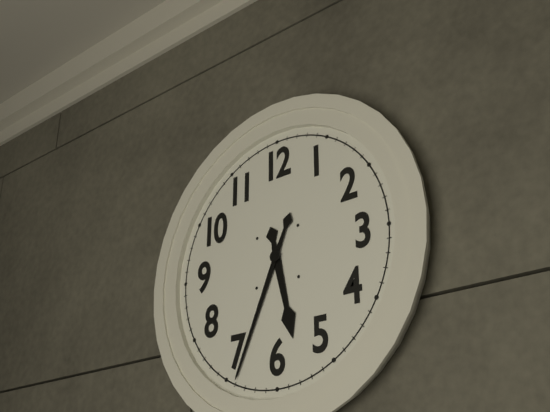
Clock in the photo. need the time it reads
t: 5:34
